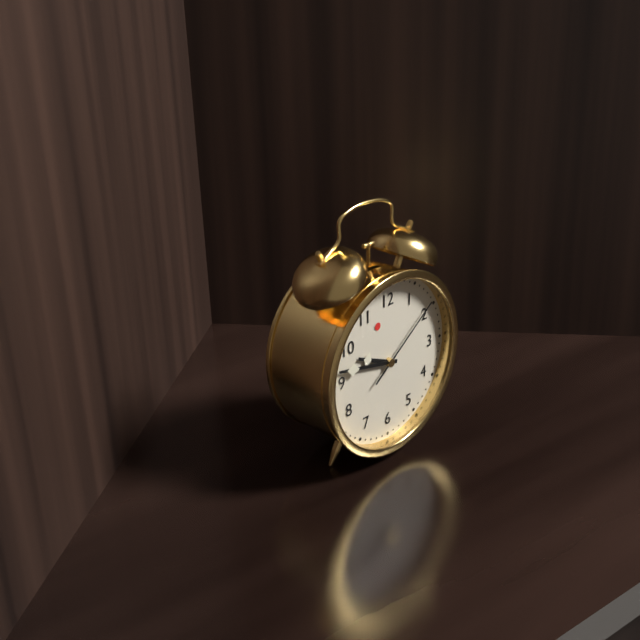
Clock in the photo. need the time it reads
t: 9:47:09
